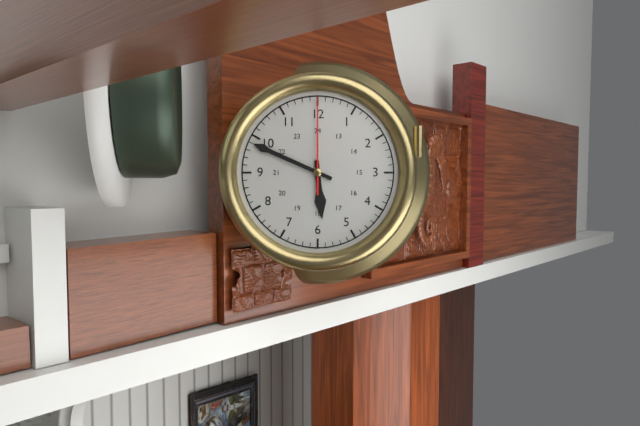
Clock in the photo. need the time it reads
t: 5:49:00
